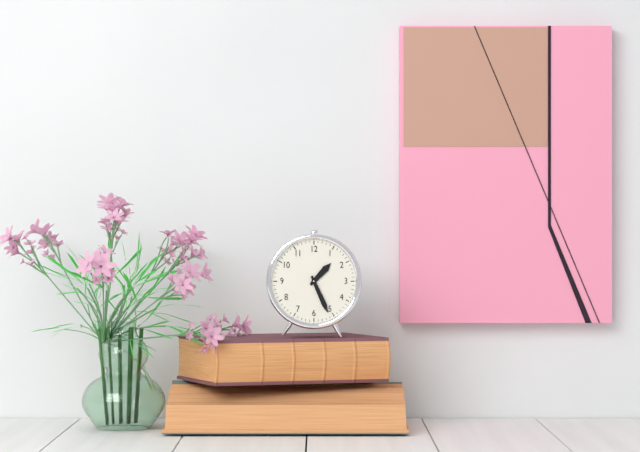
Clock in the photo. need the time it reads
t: 1:26
